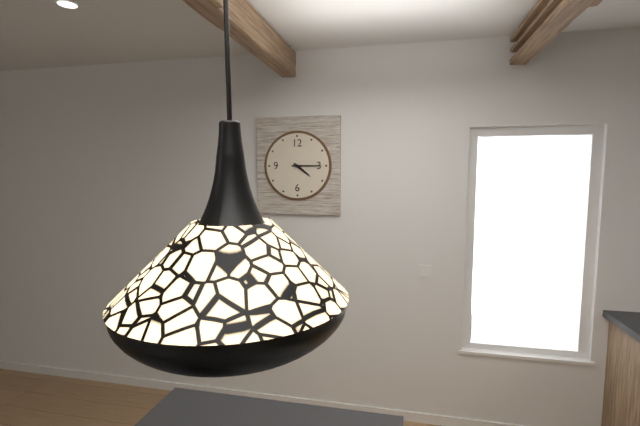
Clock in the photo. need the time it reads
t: 4:15
